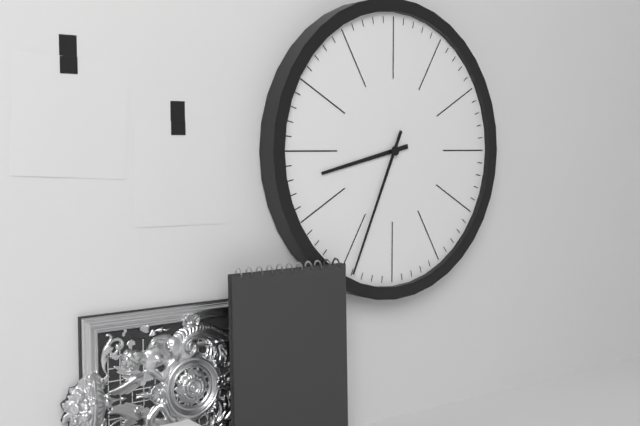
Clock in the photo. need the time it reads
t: 8:34
